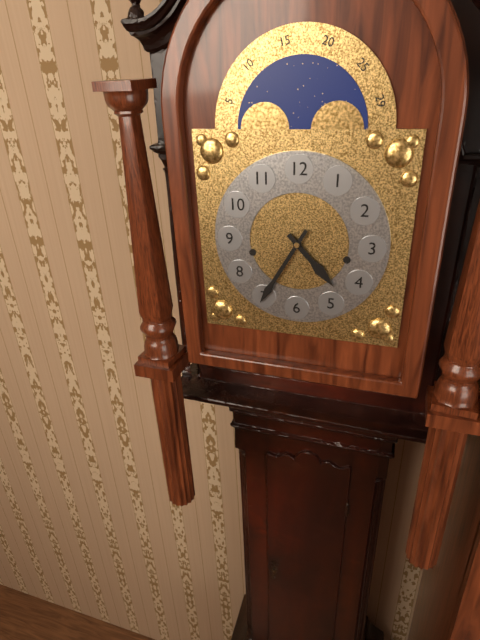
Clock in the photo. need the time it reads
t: 4:35
